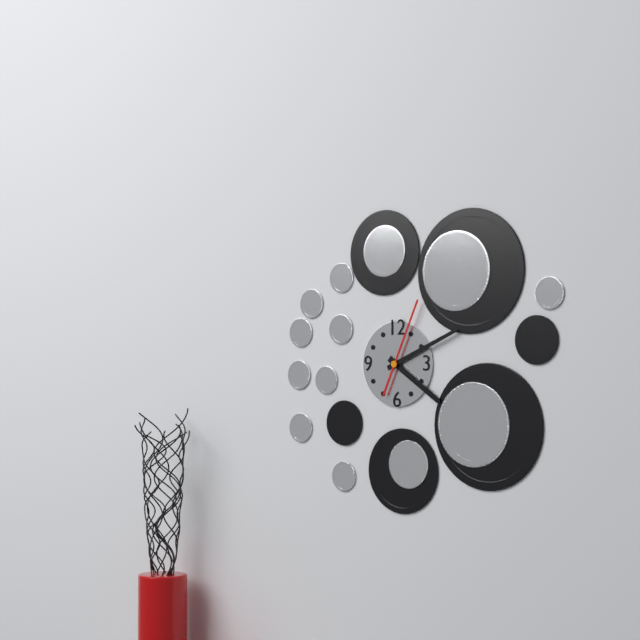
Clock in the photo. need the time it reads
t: 4:11:04
